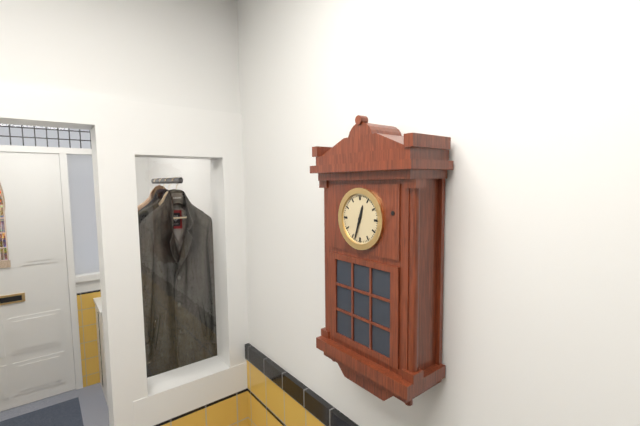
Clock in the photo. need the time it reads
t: 12:33
